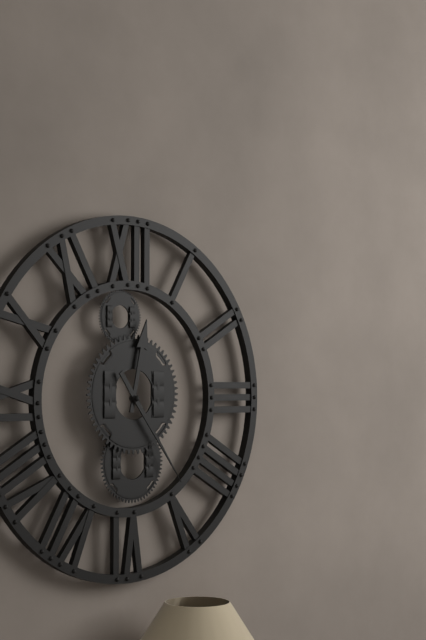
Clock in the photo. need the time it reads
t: 12:24
